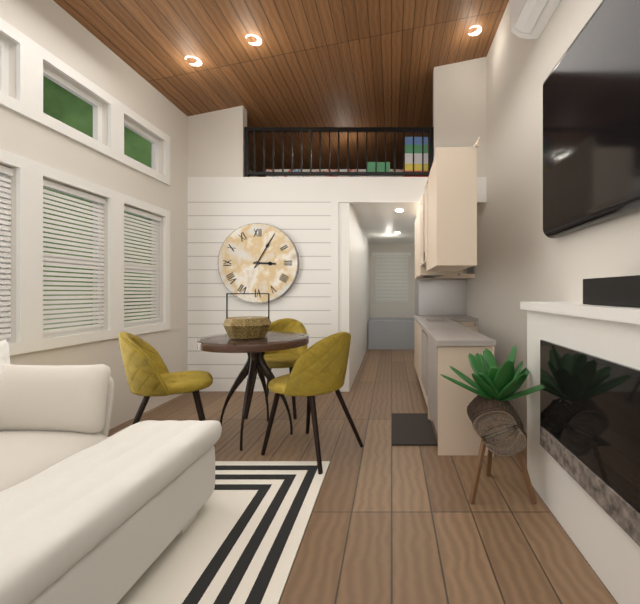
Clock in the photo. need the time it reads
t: 3:05
